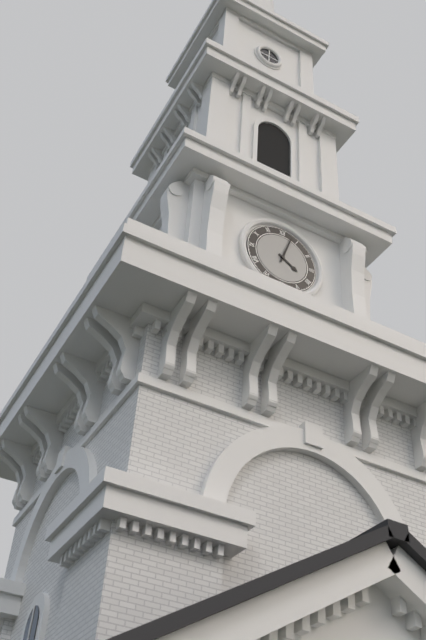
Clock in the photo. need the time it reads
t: 4:03
